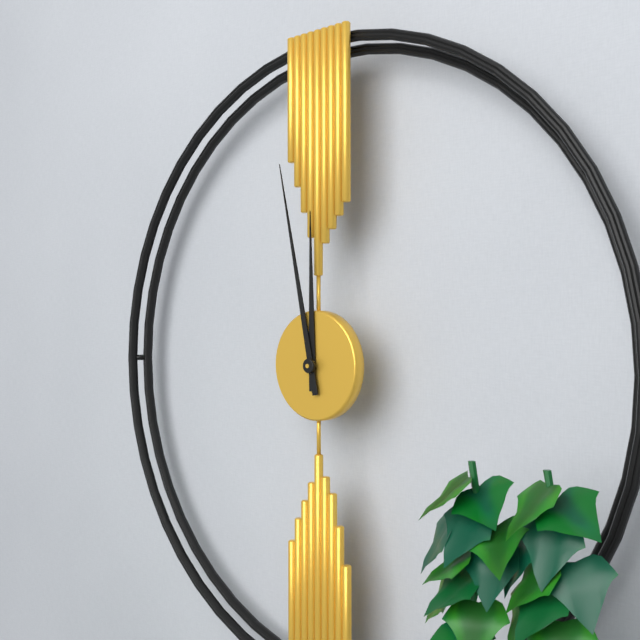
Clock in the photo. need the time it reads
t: 11:58
